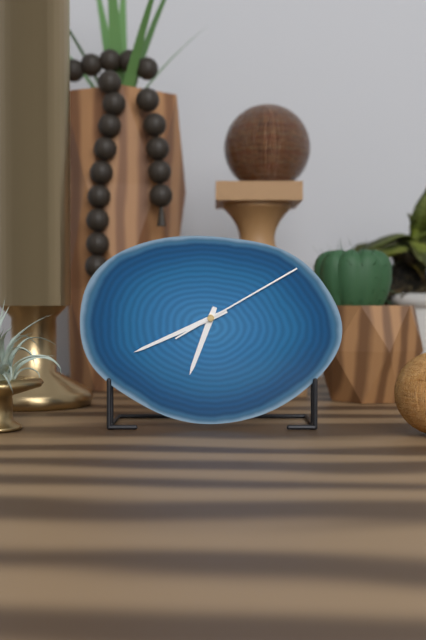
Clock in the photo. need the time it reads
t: 6:41:10
